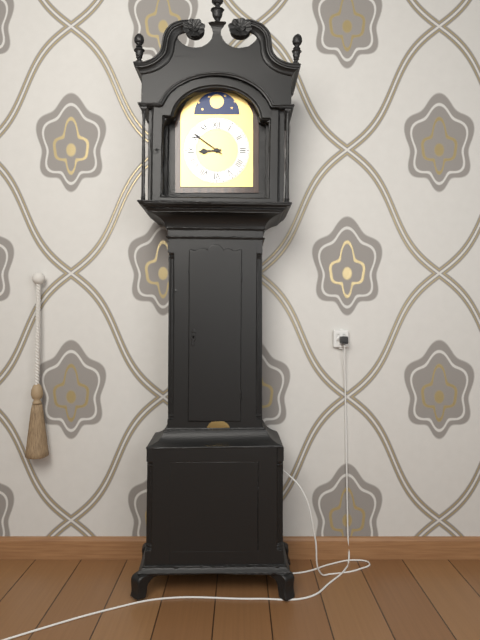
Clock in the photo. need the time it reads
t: 8:51
